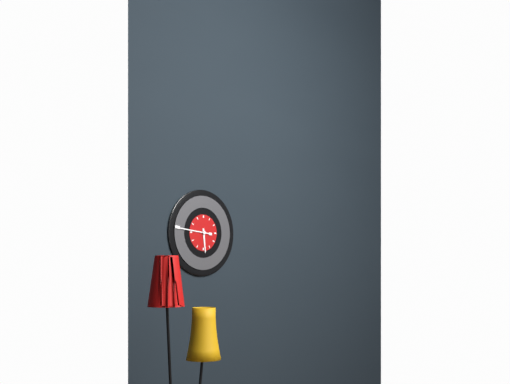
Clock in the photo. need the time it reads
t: 5:46
